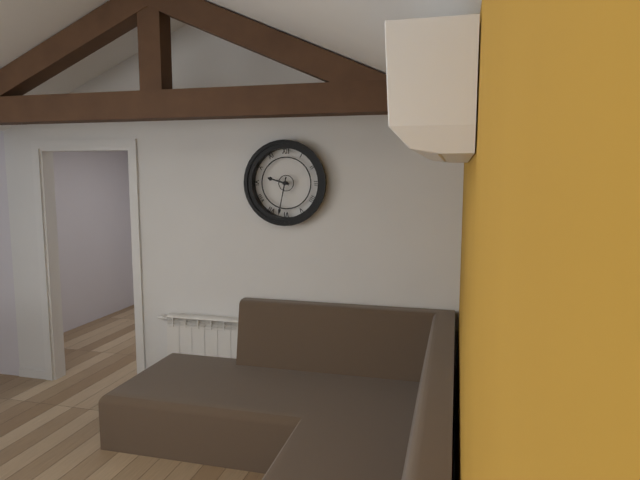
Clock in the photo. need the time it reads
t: 9:32
